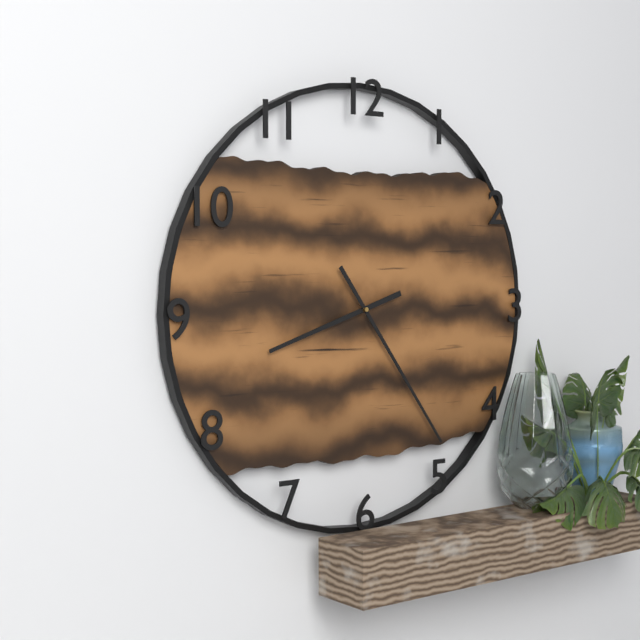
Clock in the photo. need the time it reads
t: 8:24
